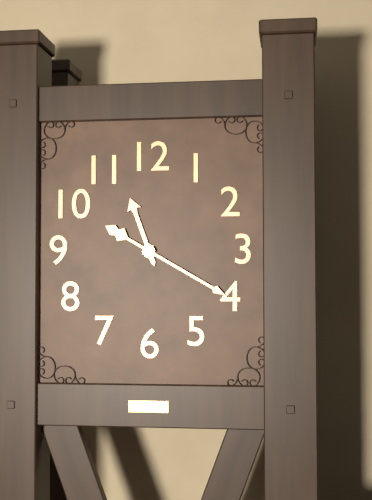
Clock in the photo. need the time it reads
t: 11:20
